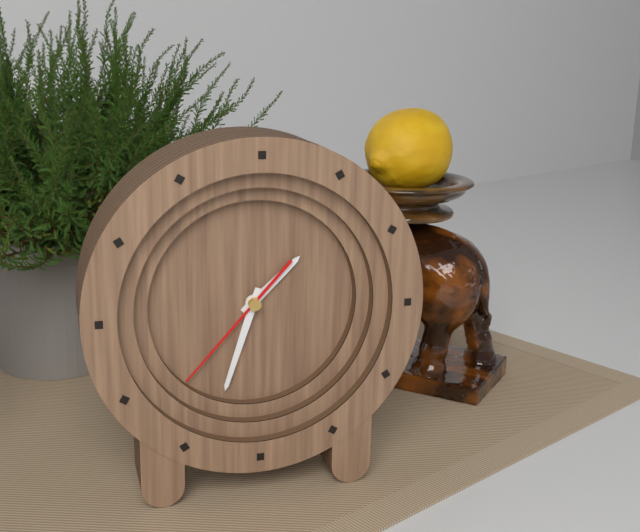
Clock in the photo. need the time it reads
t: 1:33:37
